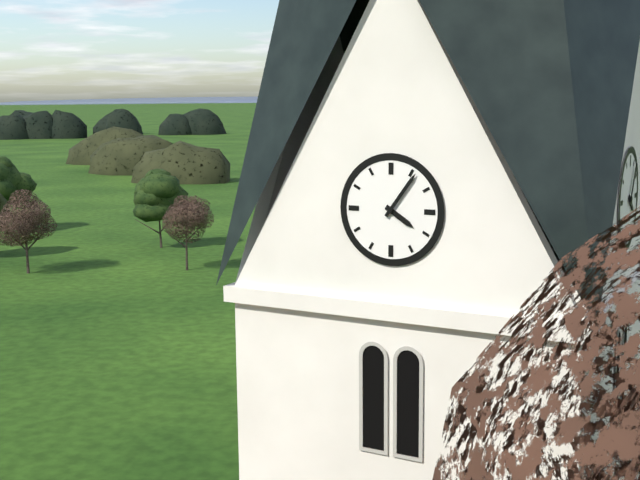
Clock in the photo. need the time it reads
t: 4:06
